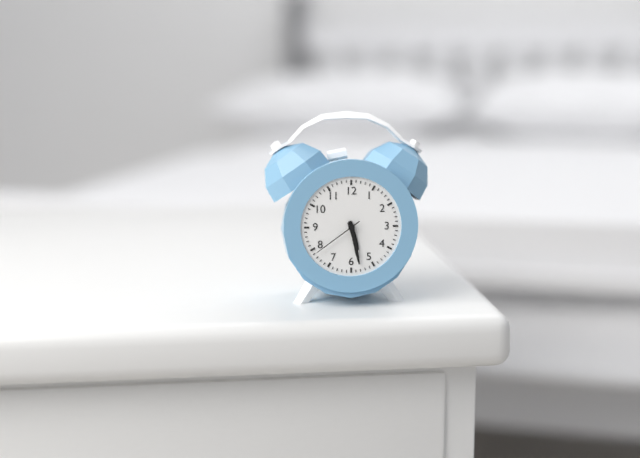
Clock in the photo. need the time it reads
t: 5:28:39
